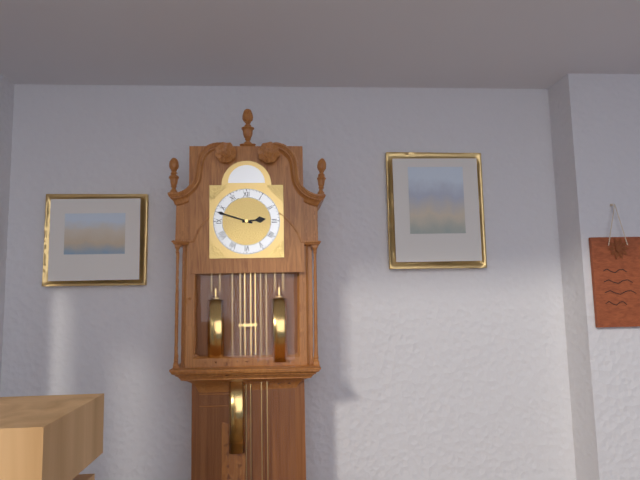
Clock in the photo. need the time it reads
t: 2:48
